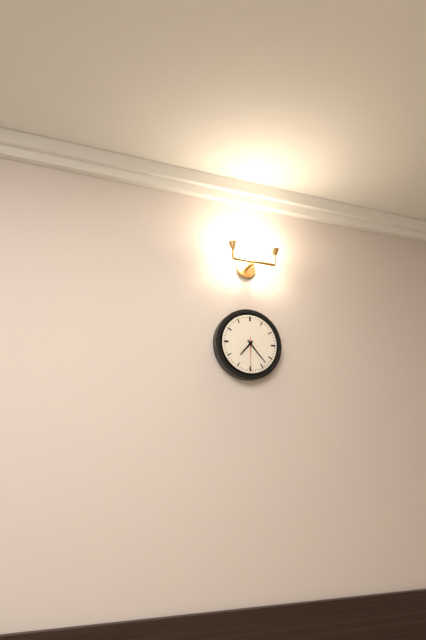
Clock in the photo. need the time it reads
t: 7:23
